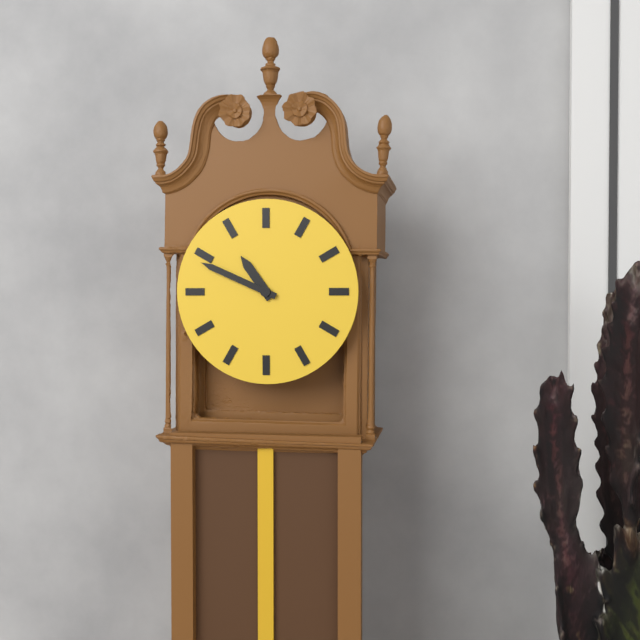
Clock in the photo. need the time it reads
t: 10:49
